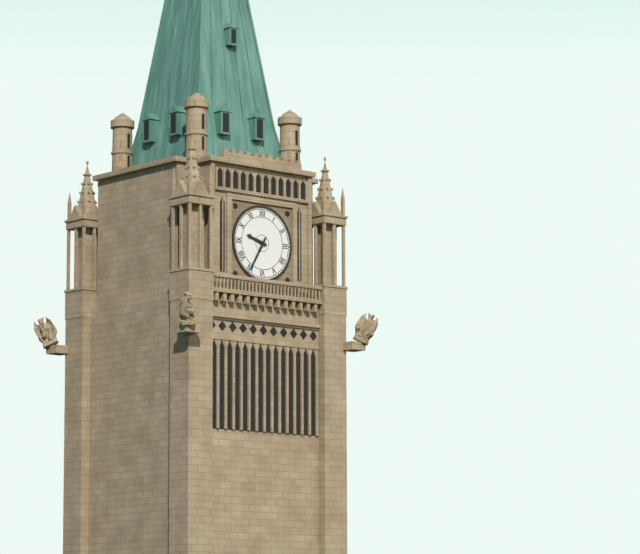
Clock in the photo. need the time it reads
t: 9:35
